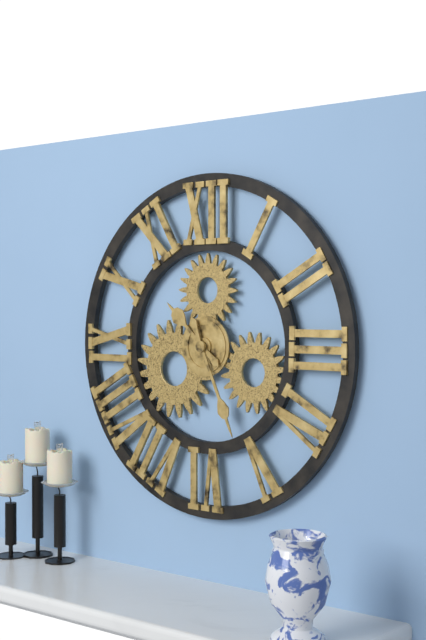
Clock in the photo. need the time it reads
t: 10:26
